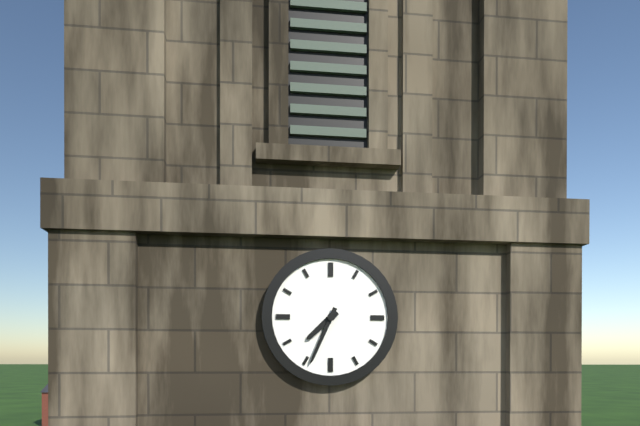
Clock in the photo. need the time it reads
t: 7:34
